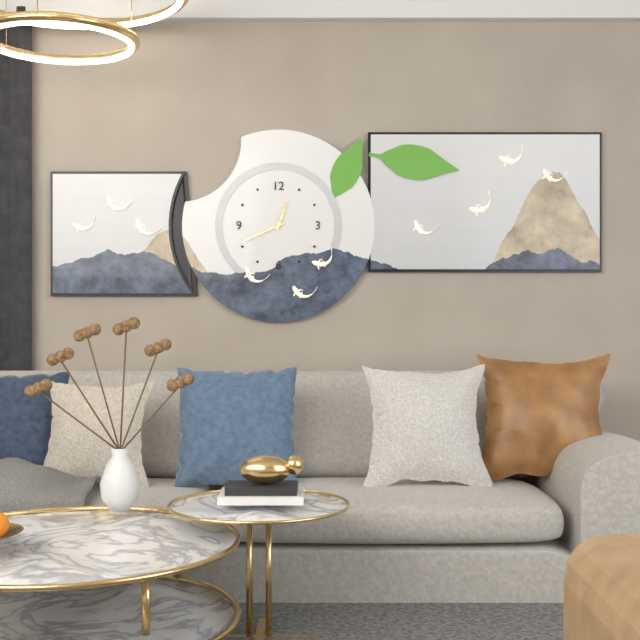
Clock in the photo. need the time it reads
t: 12:41
